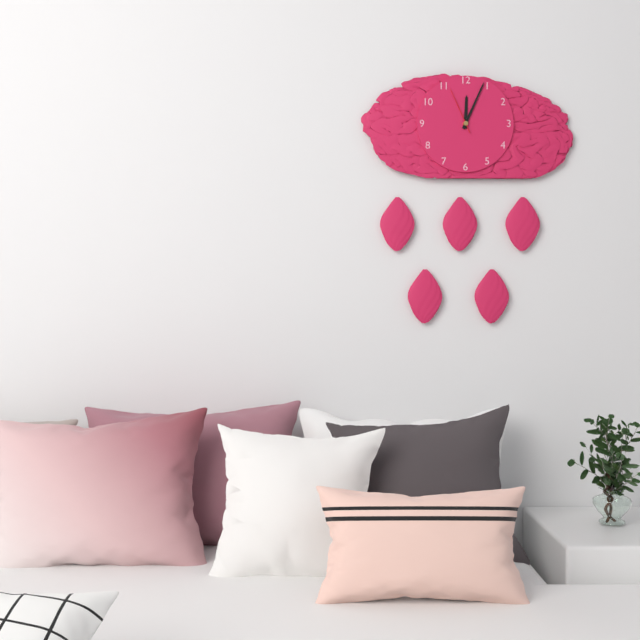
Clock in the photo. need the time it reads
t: 12:04
